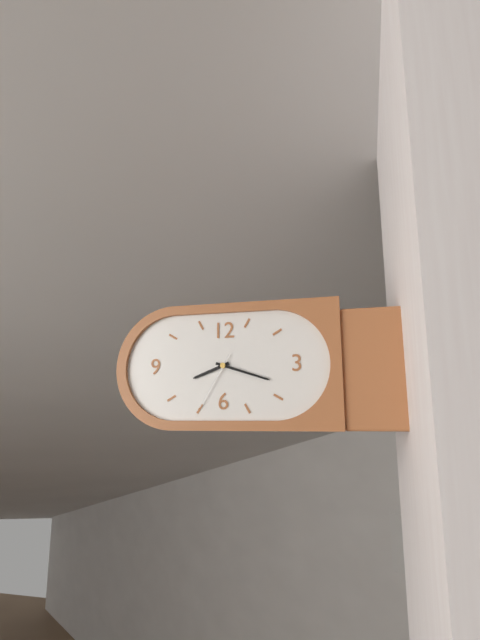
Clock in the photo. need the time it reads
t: 8:18:35
